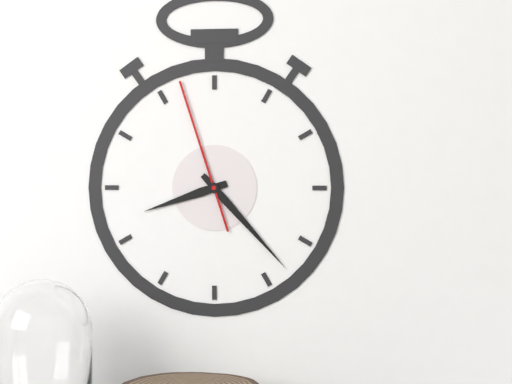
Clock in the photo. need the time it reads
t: 8:23:57
